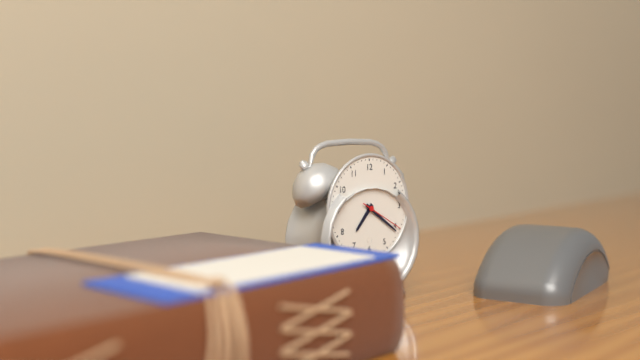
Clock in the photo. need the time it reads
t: 7:21
